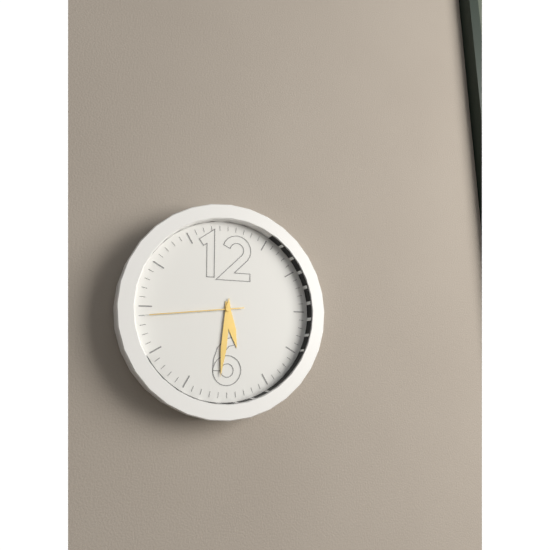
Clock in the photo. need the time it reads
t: 5:31:44
